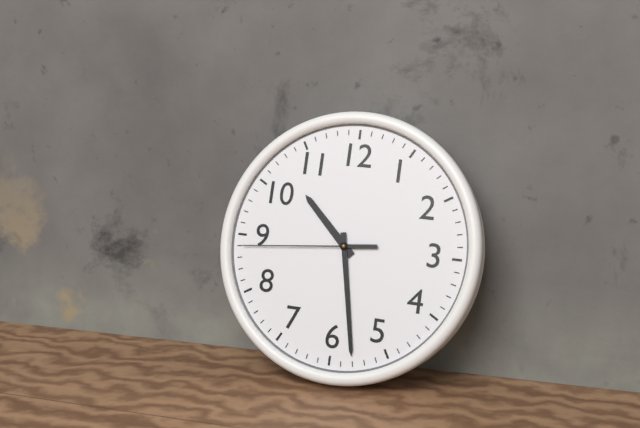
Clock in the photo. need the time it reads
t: 10:28:44
